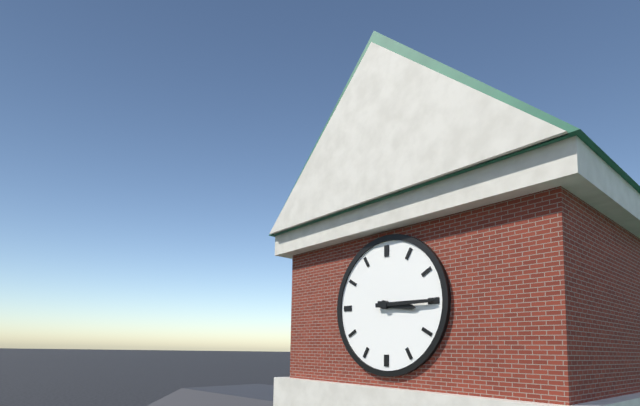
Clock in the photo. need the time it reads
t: 3:15
